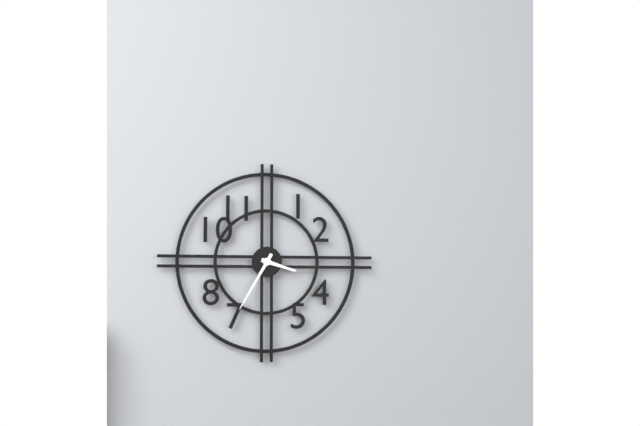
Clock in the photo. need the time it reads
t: 3:35
